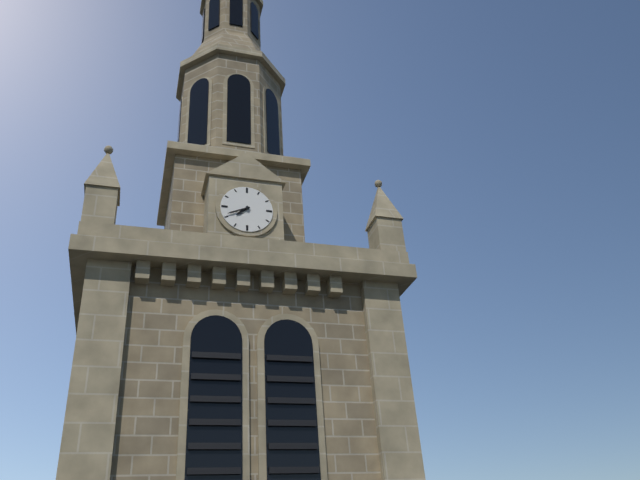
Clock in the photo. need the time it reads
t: 7:41
